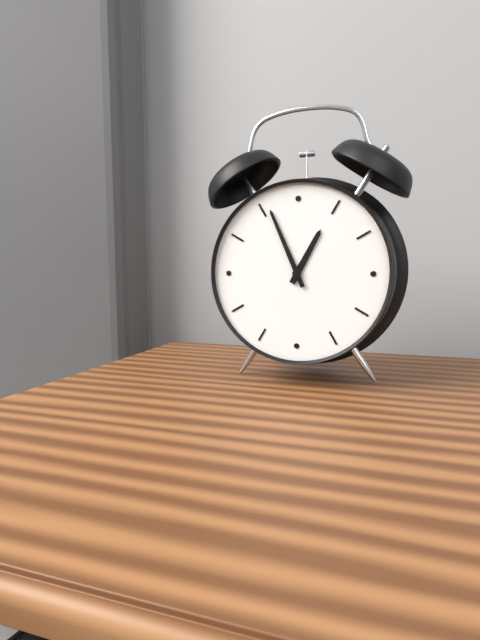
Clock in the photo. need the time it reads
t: 12:56
